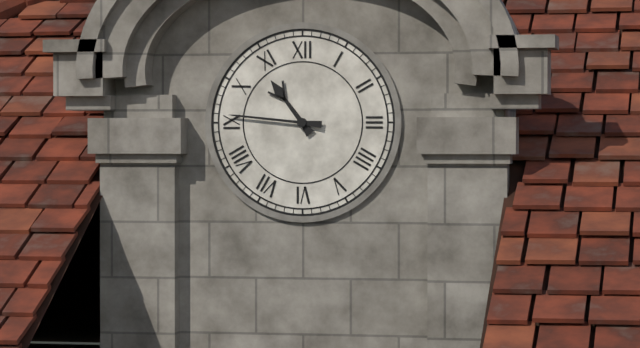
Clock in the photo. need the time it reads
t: 10:46
